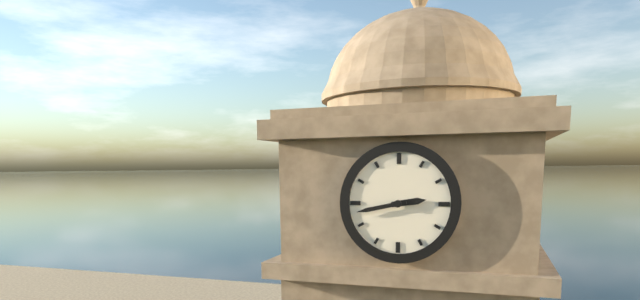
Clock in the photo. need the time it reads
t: 2:43
